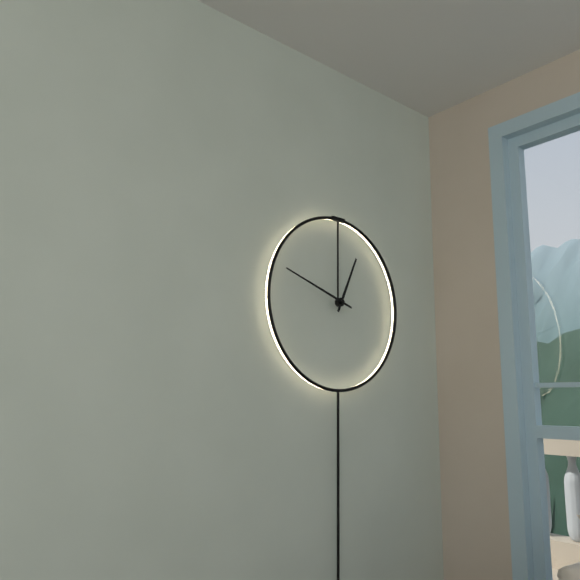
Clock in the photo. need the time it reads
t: 12:48
